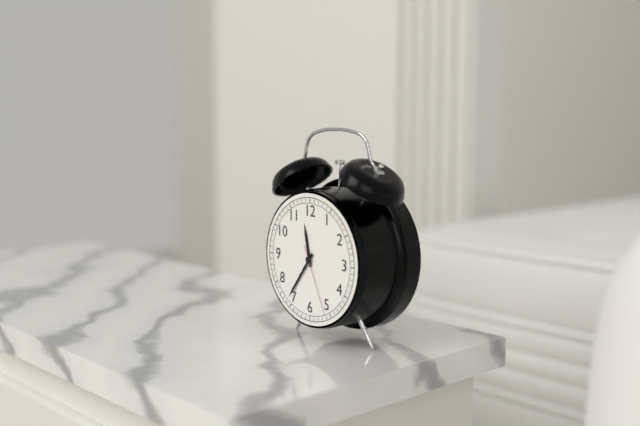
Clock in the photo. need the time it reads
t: 11:36:26
